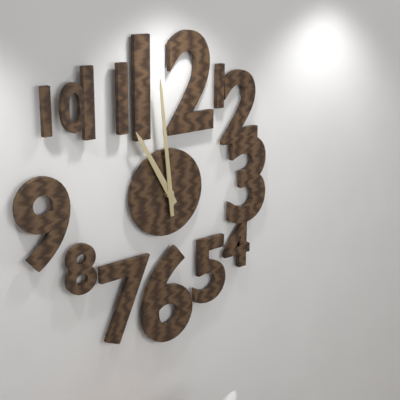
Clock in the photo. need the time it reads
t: 10:59
